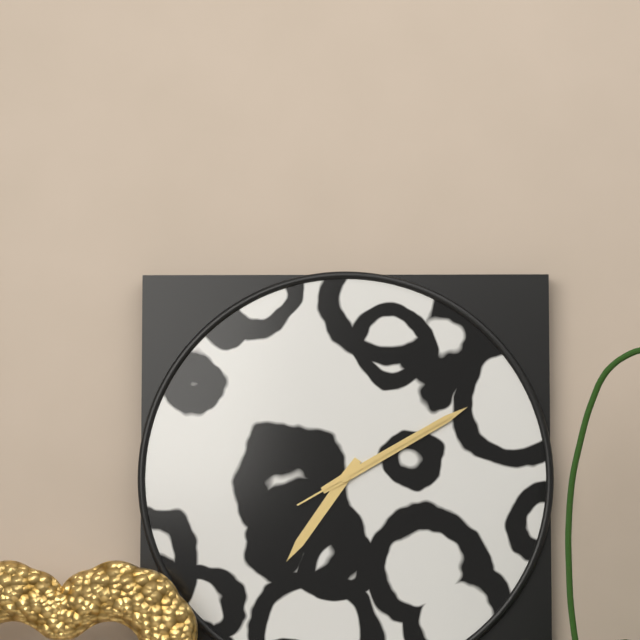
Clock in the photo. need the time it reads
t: 7:10:10
